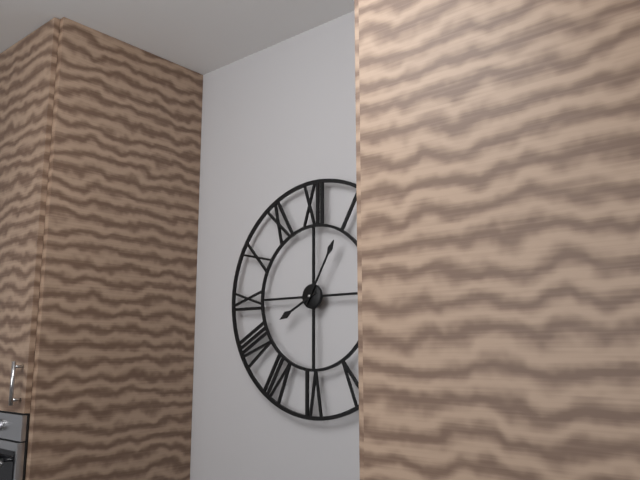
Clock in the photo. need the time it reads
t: 8:05
